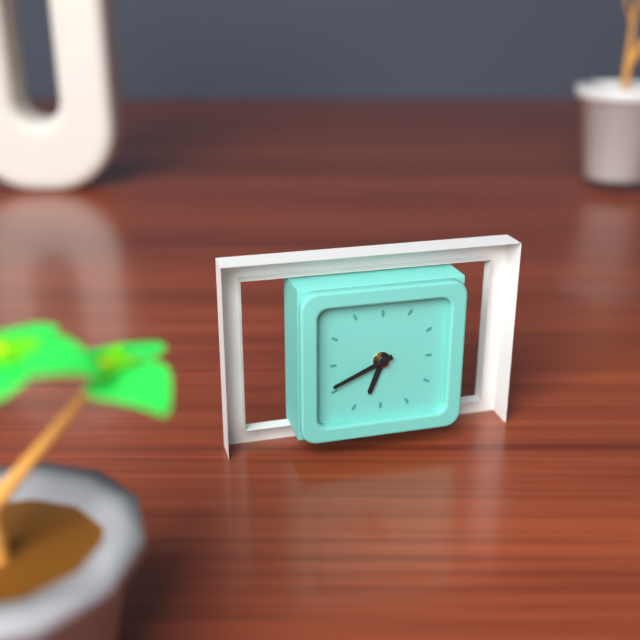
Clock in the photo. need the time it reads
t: 6:41
